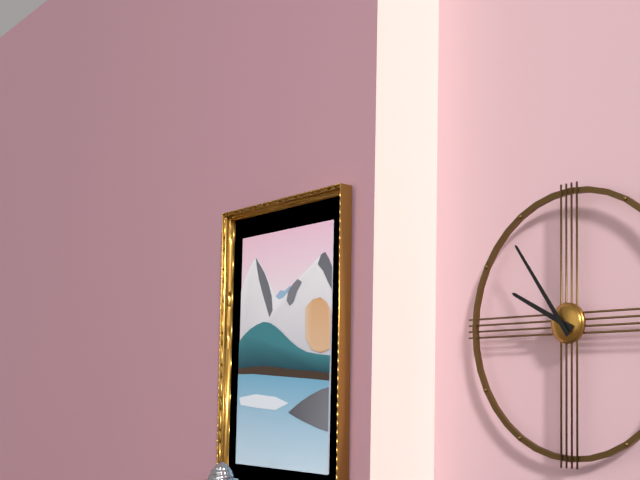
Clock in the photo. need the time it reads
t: 9:54
